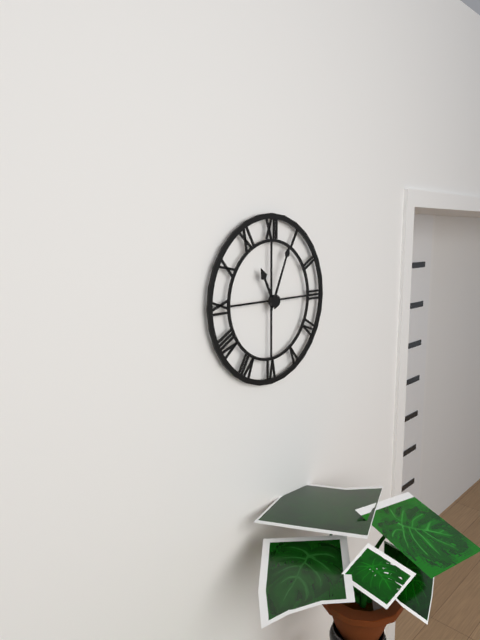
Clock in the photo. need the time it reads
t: 11:04
